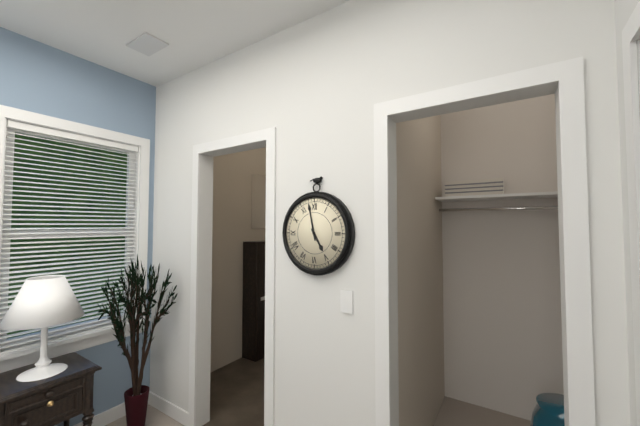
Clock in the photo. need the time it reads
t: 4:58
